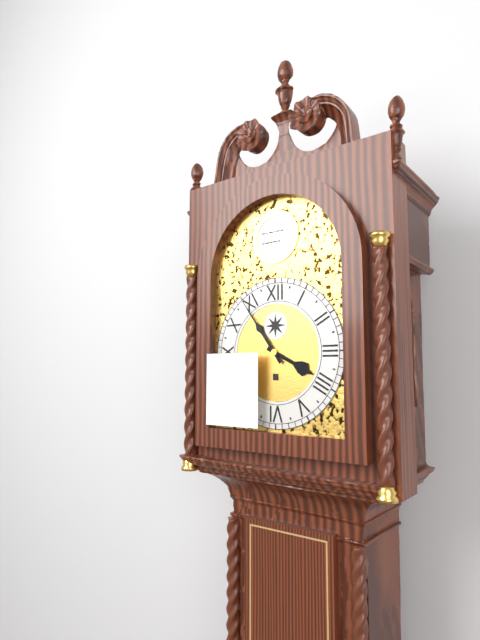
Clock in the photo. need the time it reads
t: 3:54
